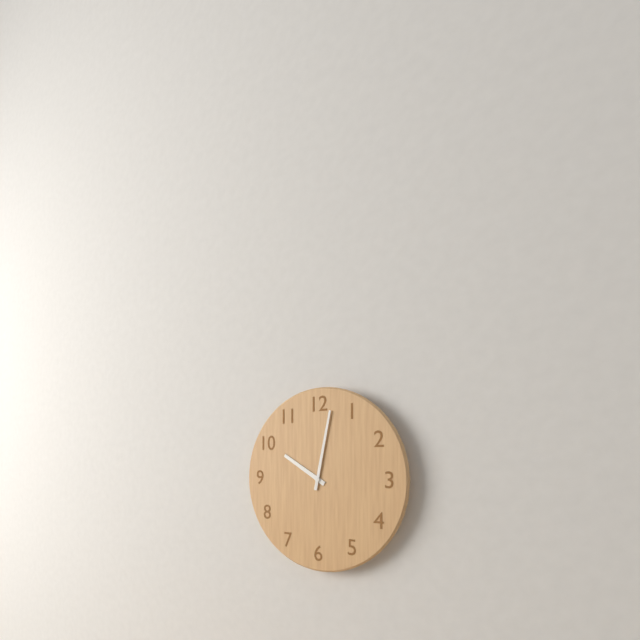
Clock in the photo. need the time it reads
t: 10:02
